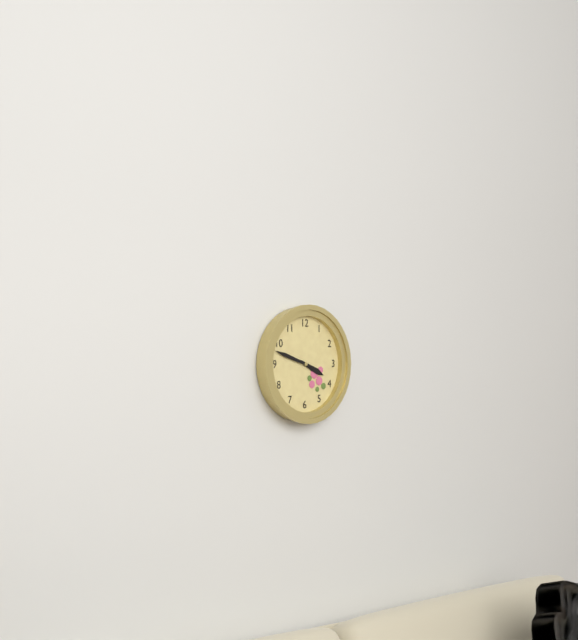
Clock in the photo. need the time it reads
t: 3:48
